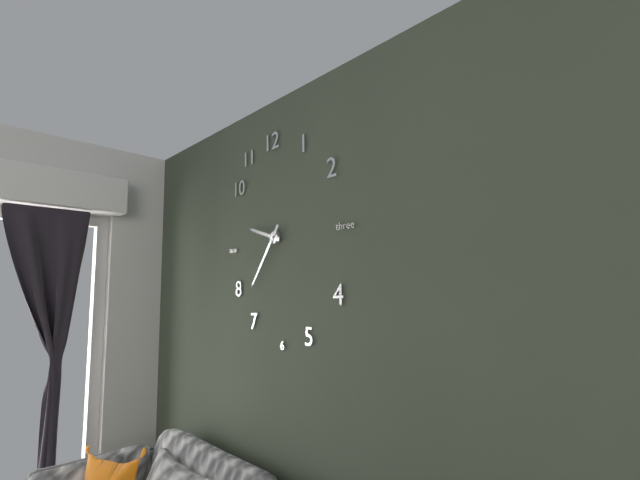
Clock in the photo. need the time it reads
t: 9:36
